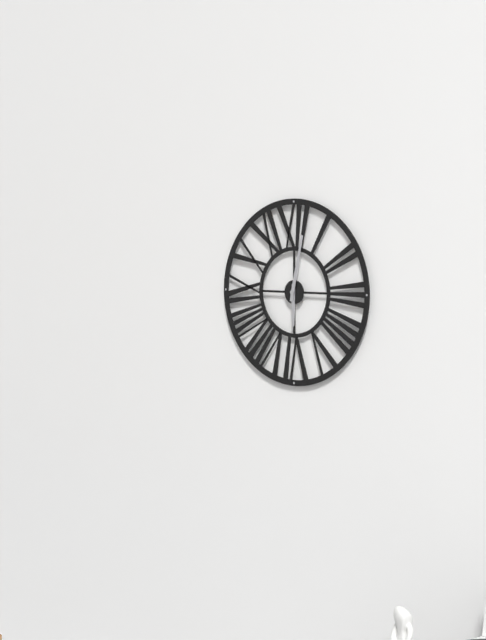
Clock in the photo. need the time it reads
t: 6:02
